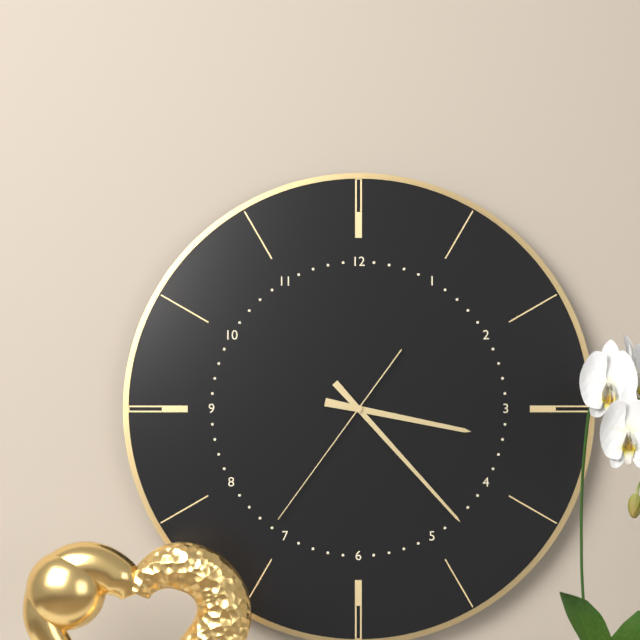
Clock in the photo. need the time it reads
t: 3:23:36
